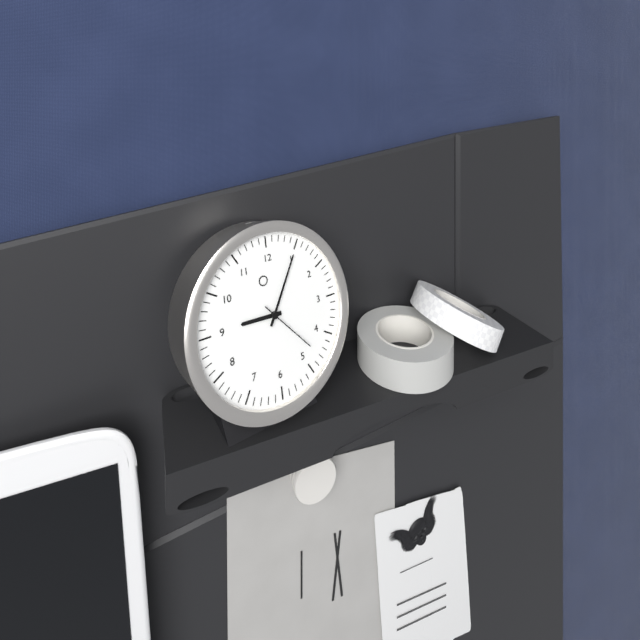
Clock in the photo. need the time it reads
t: 9:05:23
